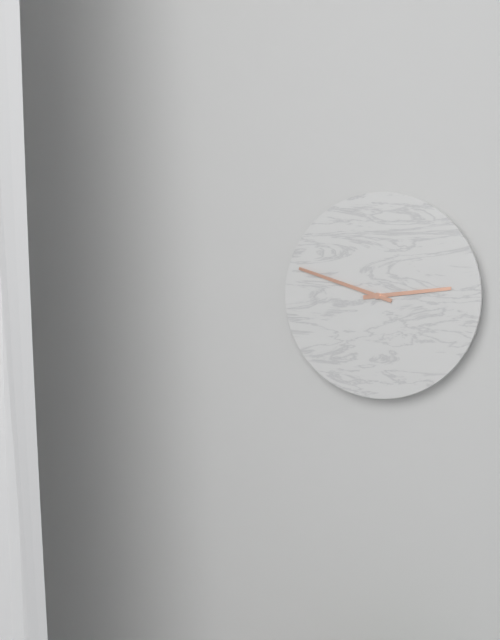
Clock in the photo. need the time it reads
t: 2:48
